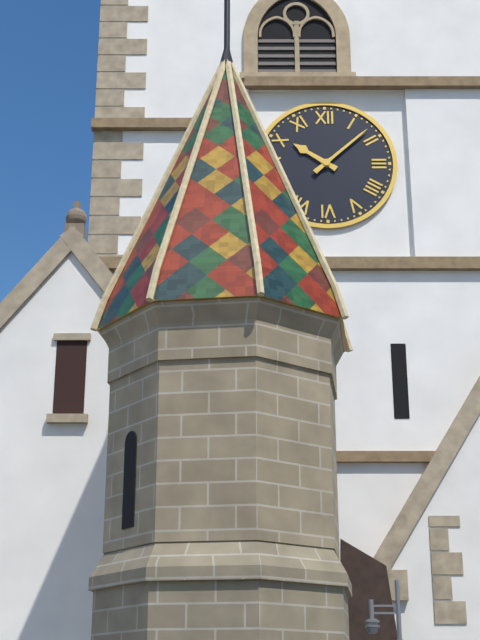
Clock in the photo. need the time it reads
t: 10:08
